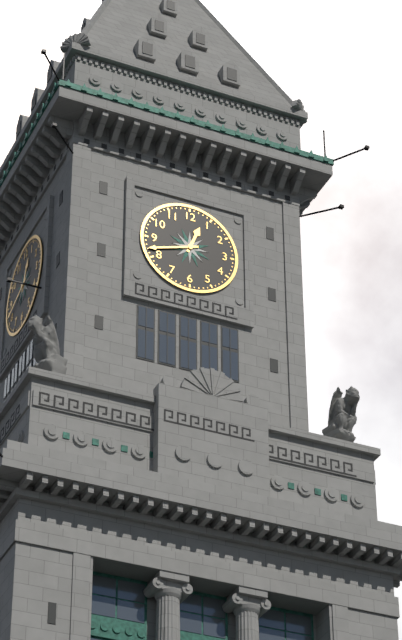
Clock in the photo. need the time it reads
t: 12:42
